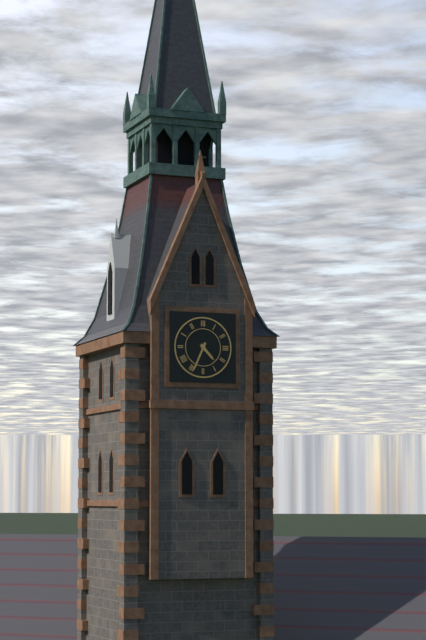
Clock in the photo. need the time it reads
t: 4:34
